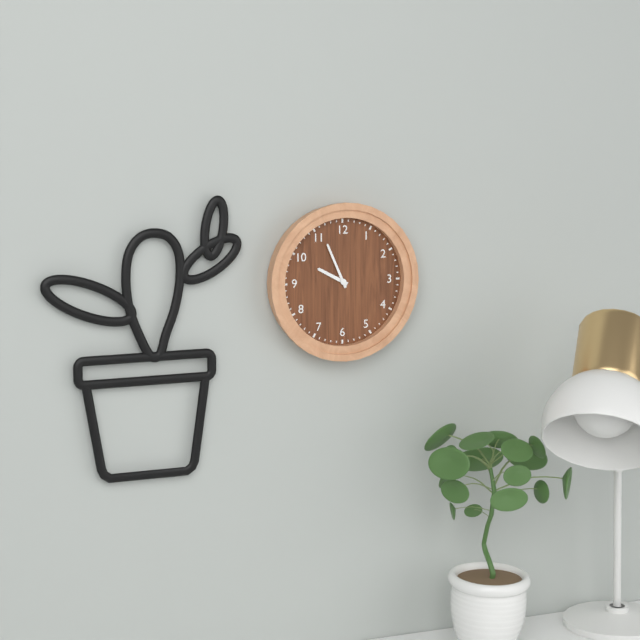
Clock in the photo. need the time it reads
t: 9:56
